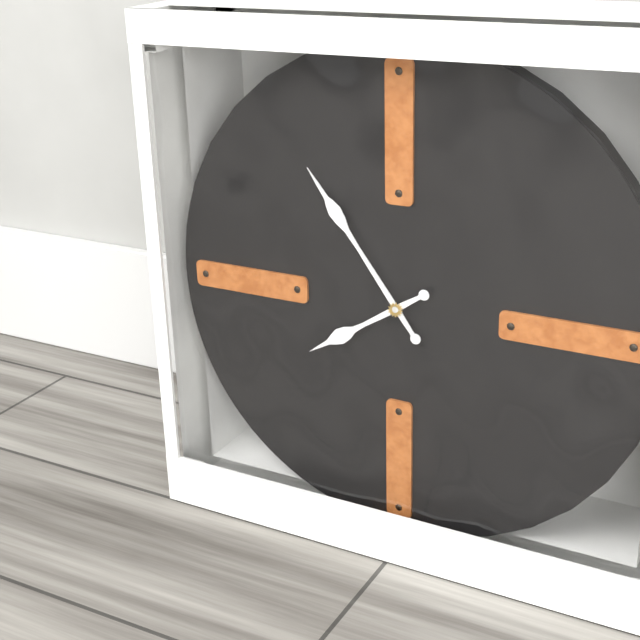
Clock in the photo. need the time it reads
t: 7:54
